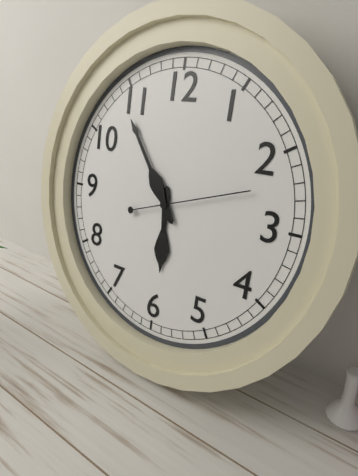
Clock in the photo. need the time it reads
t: 5:54:12
